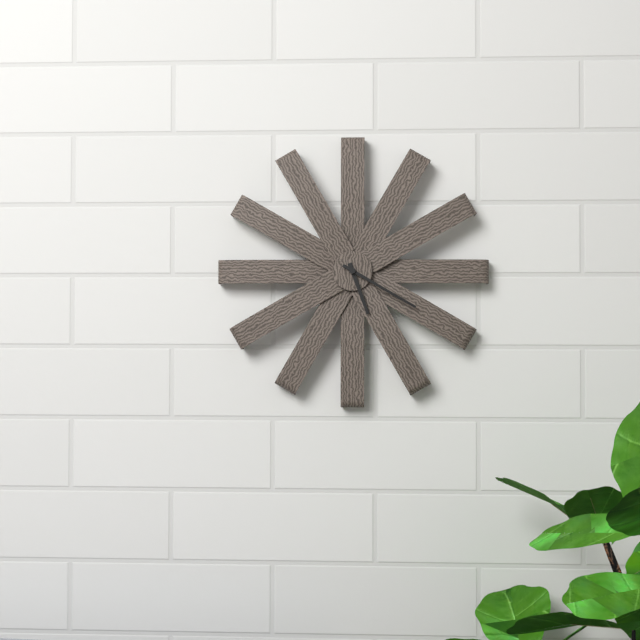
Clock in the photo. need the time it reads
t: 5:20
